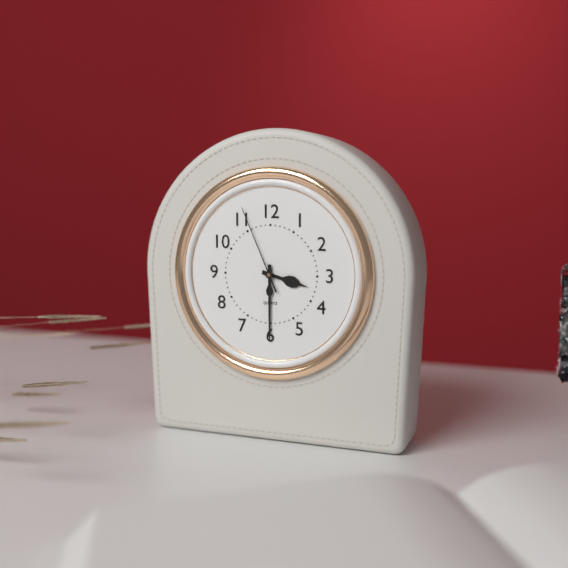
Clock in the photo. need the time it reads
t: 3:30:56
